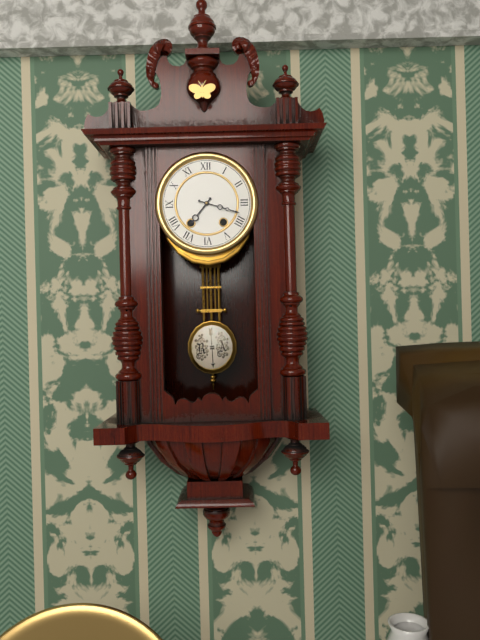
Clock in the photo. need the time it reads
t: 7:18
